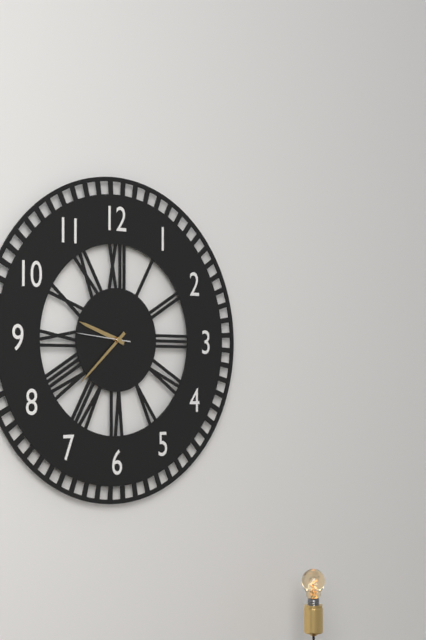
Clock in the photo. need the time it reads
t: 9:38:46
